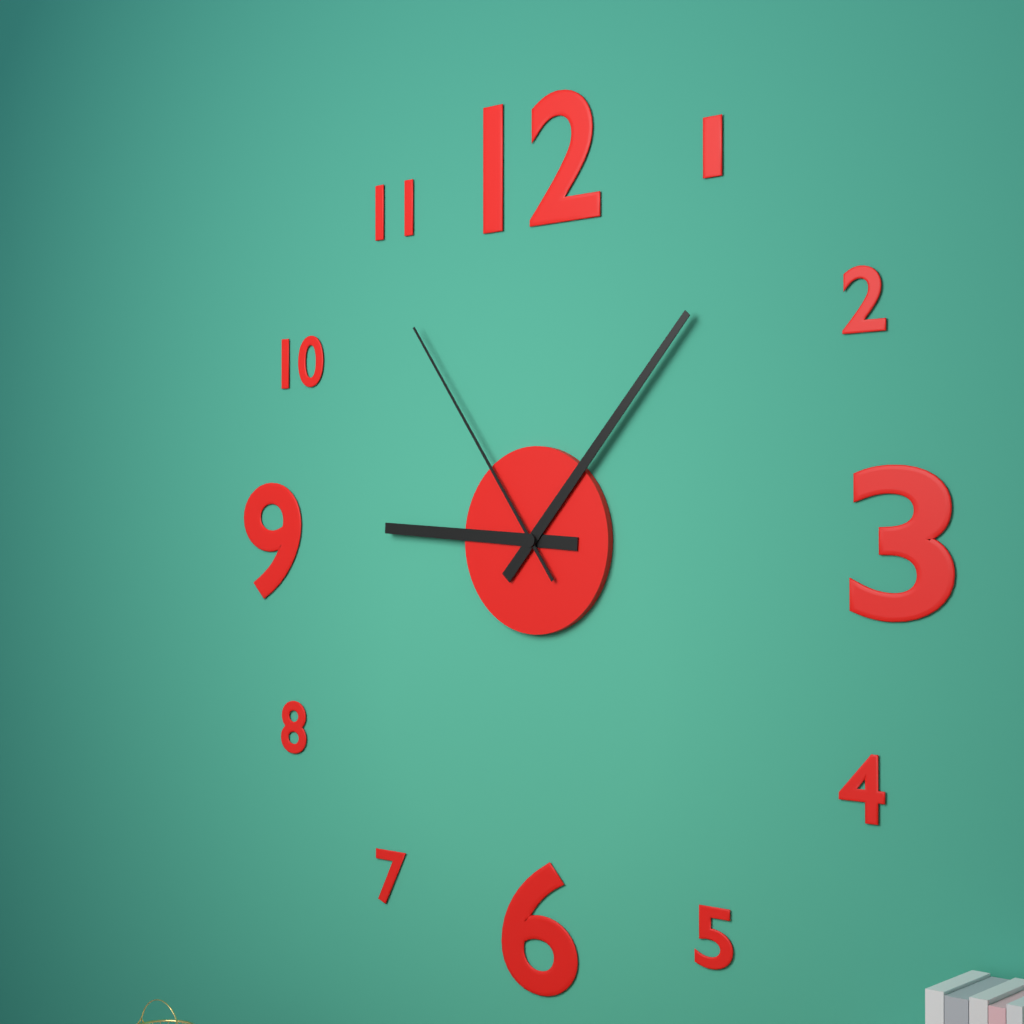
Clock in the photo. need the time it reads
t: 9:07:54
